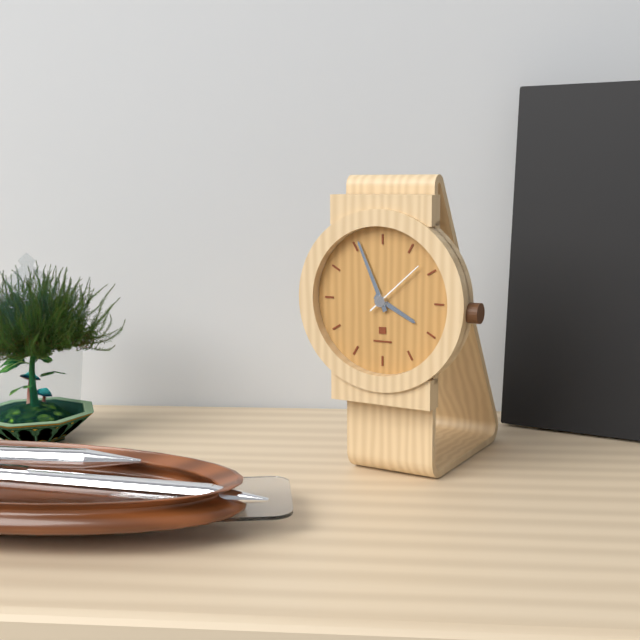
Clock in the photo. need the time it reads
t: 3:56:08
